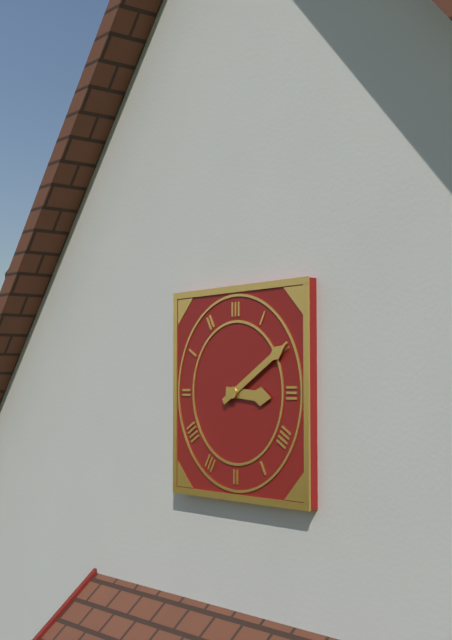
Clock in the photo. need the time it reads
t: 3:10
